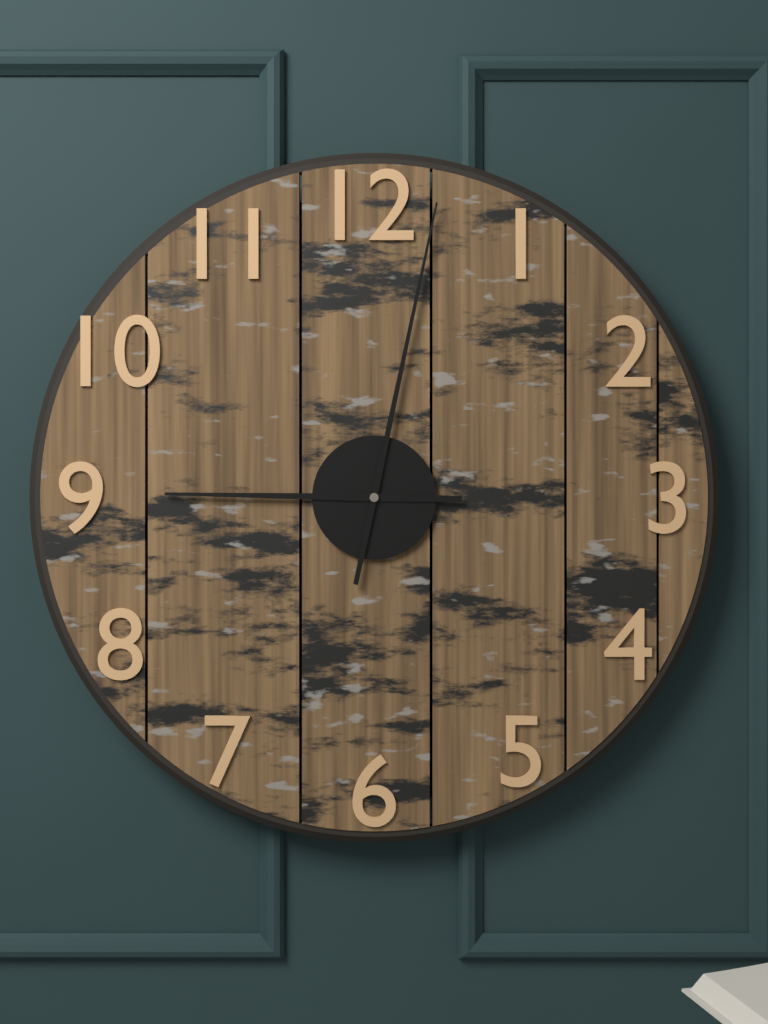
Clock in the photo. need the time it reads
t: 9:02
